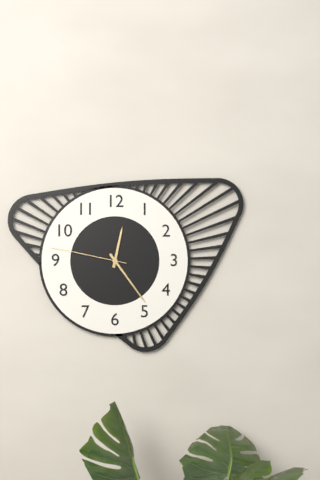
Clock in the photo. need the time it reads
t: 12:24:47
